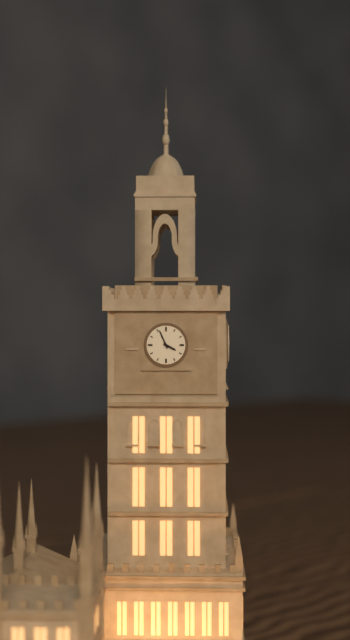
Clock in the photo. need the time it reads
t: 3:56
